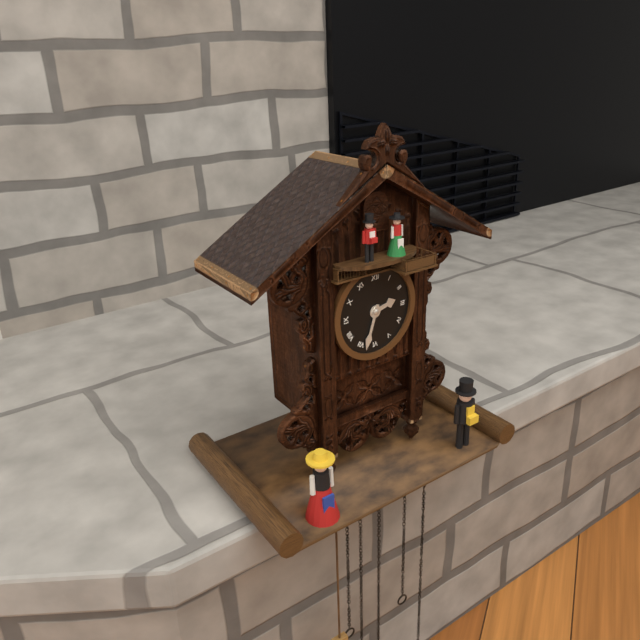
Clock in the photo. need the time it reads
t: 2:33
